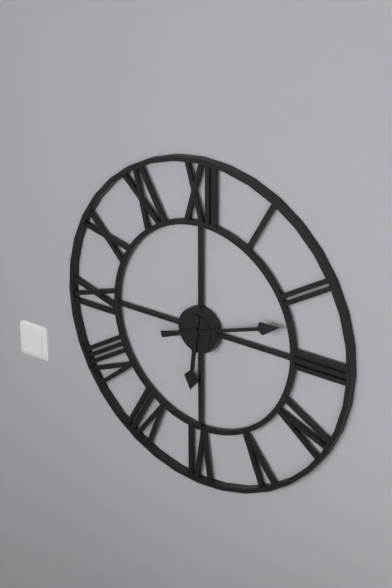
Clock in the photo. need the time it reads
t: 6:12
